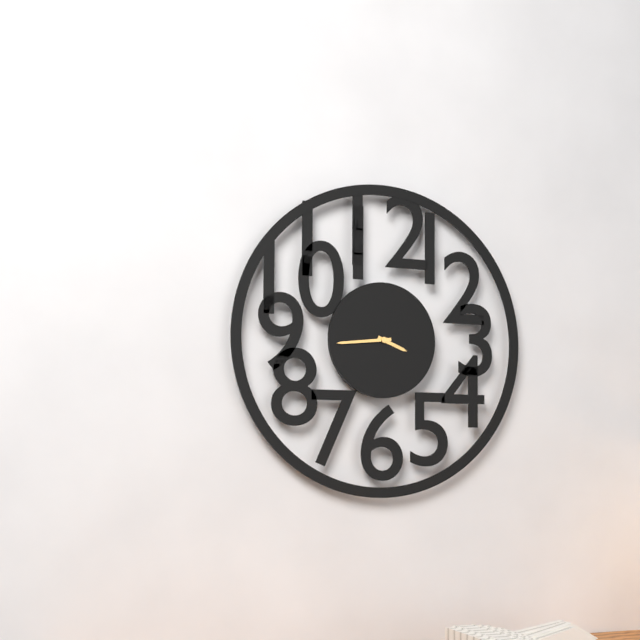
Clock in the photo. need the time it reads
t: 3:44
